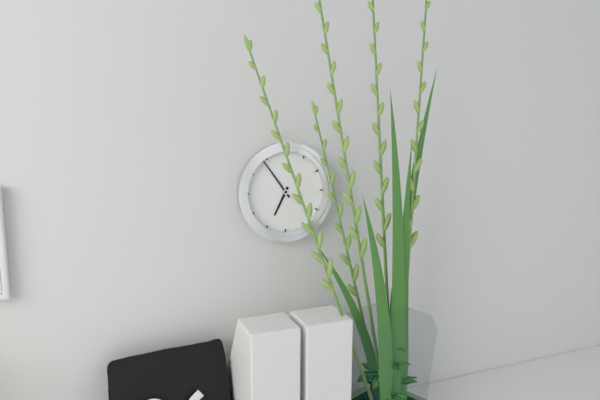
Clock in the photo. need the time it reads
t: 6:54
